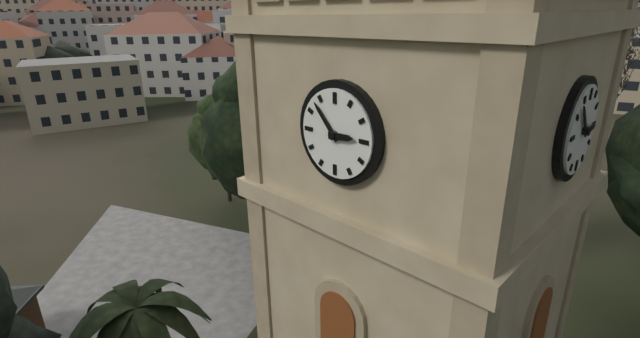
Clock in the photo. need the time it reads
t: 2:53
